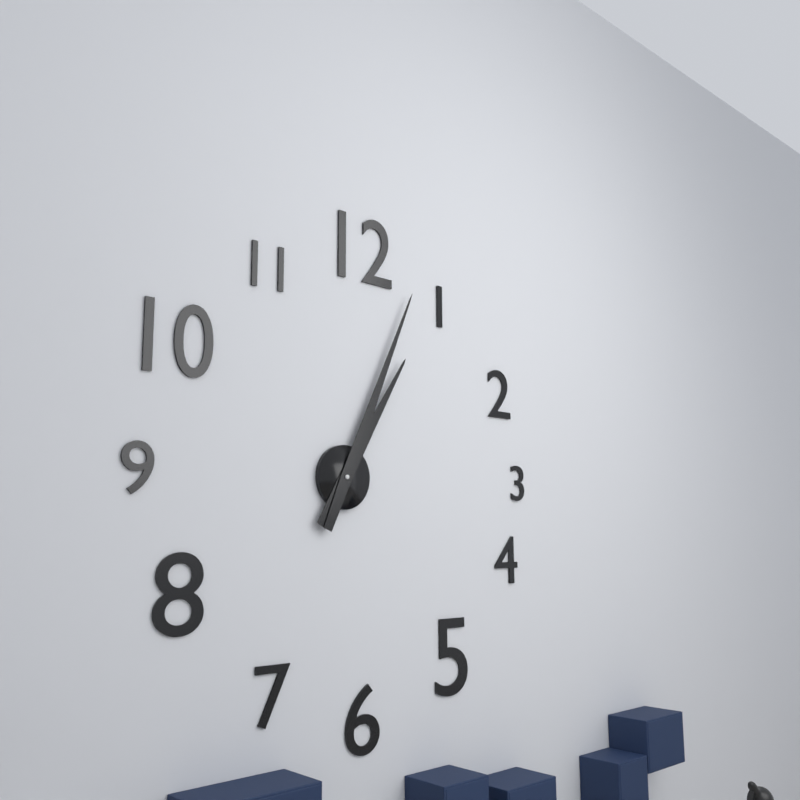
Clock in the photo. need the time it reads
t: 1:04
